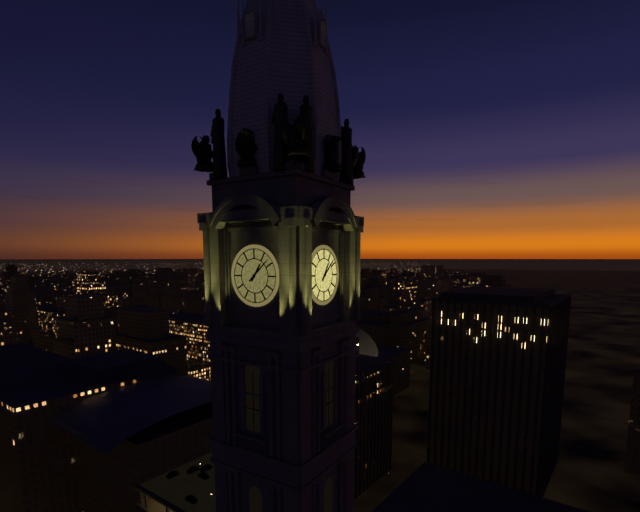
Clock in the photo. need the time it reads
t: 1:08
